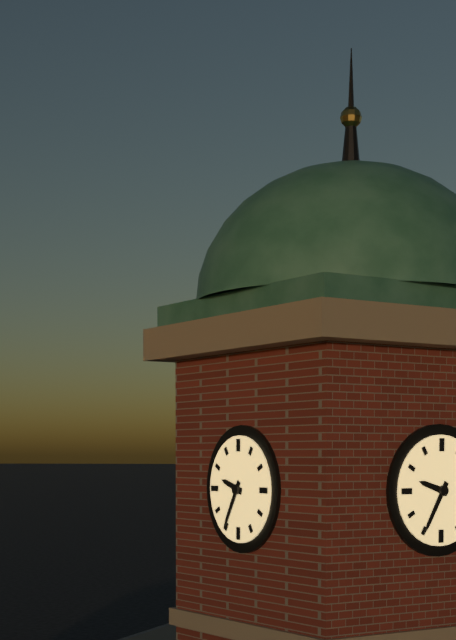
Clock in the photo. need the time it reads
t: 9:35
